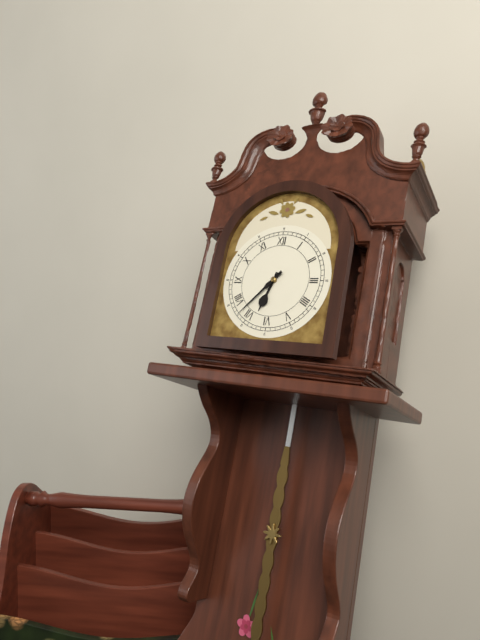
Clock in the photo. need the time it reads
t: 6:37
